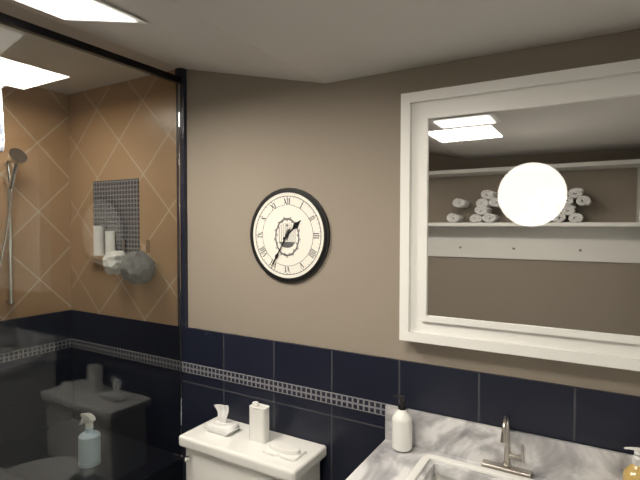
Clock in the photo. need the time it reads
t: 1:35
